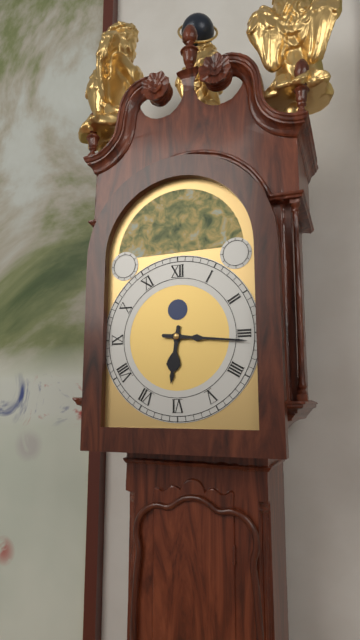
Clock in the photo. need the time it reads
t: 6:16
